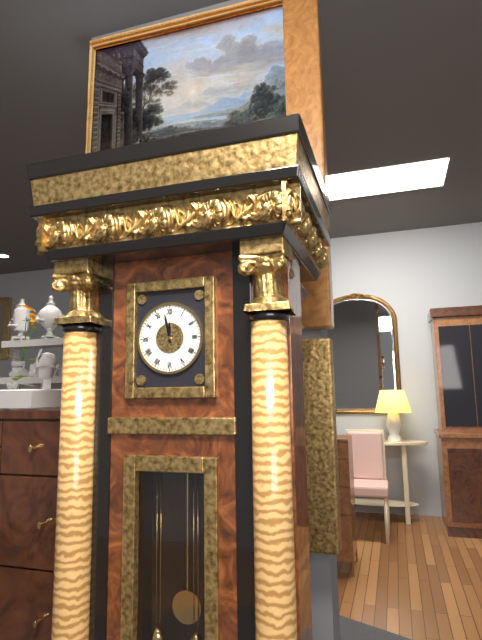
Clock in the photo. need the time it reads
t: 11:58
